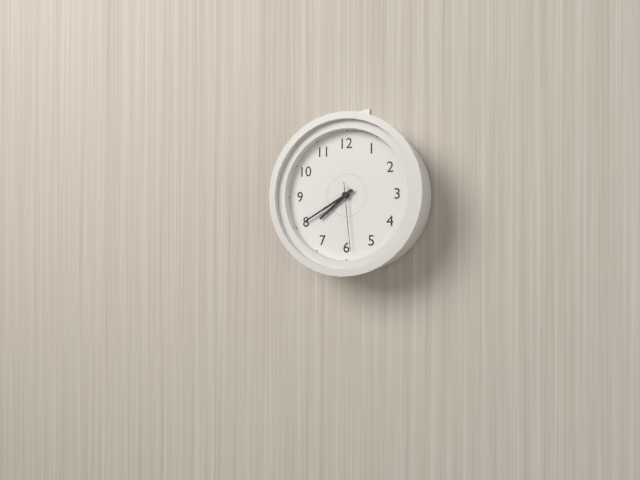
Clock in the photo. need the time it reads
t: 7:40:29
